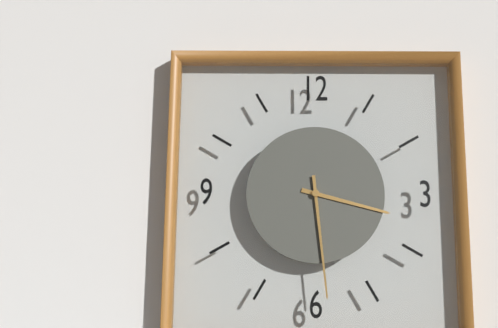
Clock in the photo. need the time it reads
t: 3:29
